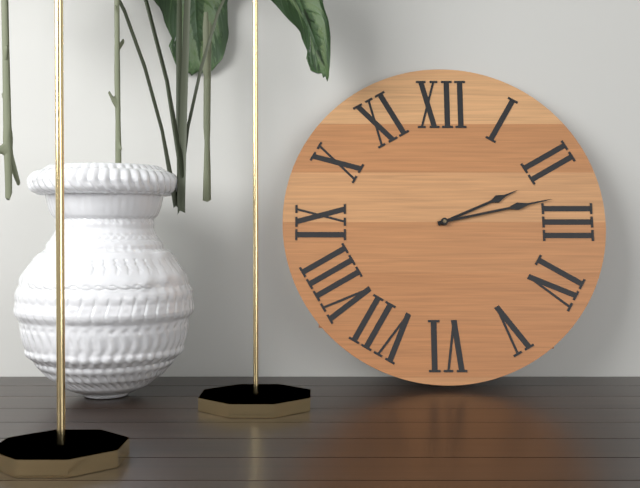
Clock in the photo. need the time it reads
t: 2:13
